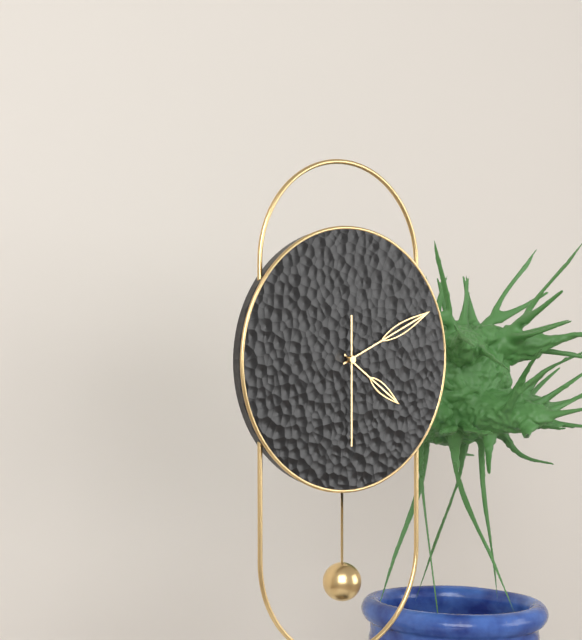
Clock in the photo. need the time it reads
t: 4:11:30
